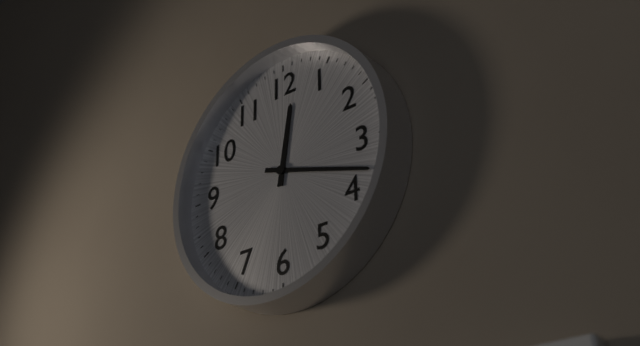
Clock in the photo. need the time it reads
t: 12:18
